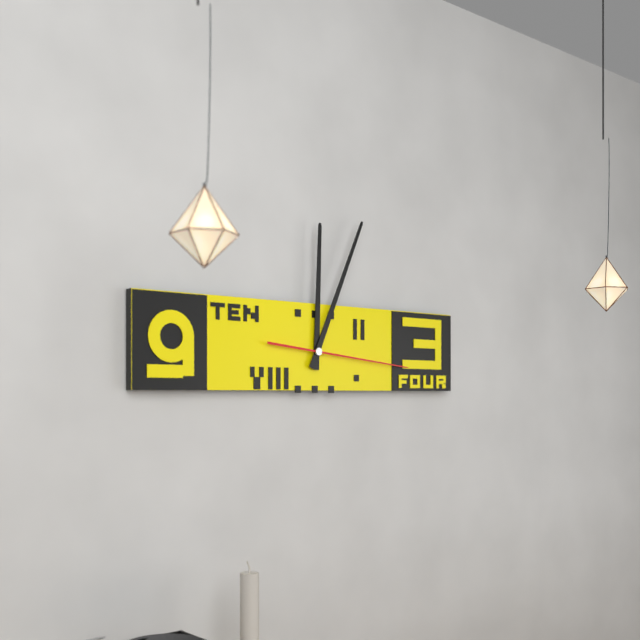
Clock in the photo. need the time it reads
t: 12:04:16
